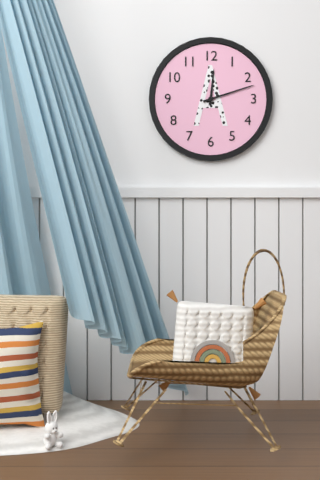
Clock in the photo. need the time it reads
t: 12:12
